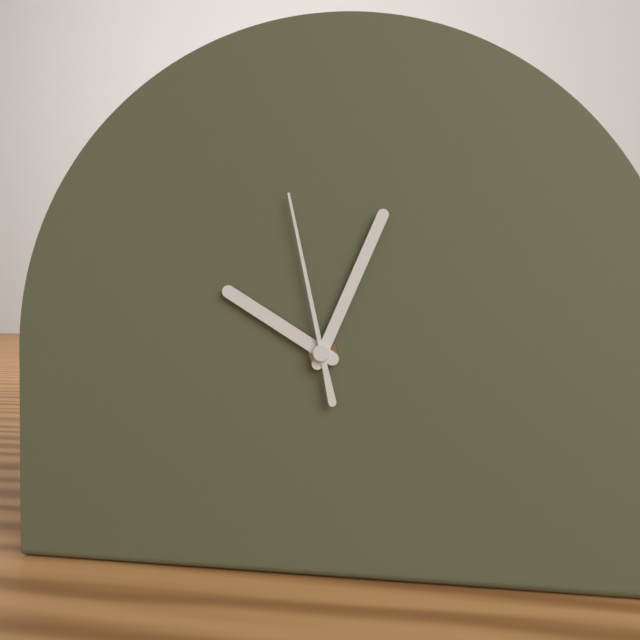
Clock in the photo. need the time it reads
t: 10:04:58
